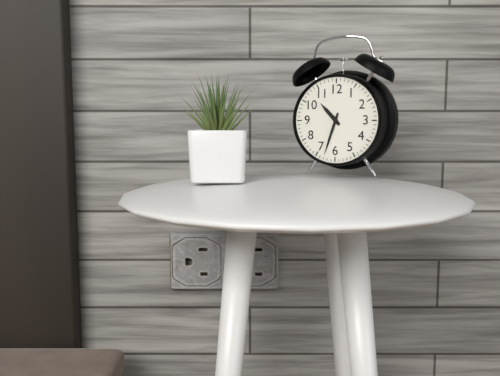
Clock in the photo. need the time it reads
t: 10:33
